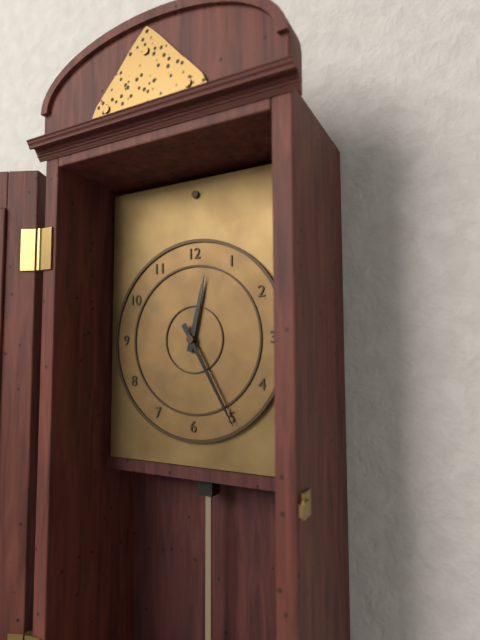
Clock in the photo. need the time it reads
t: 12:25
